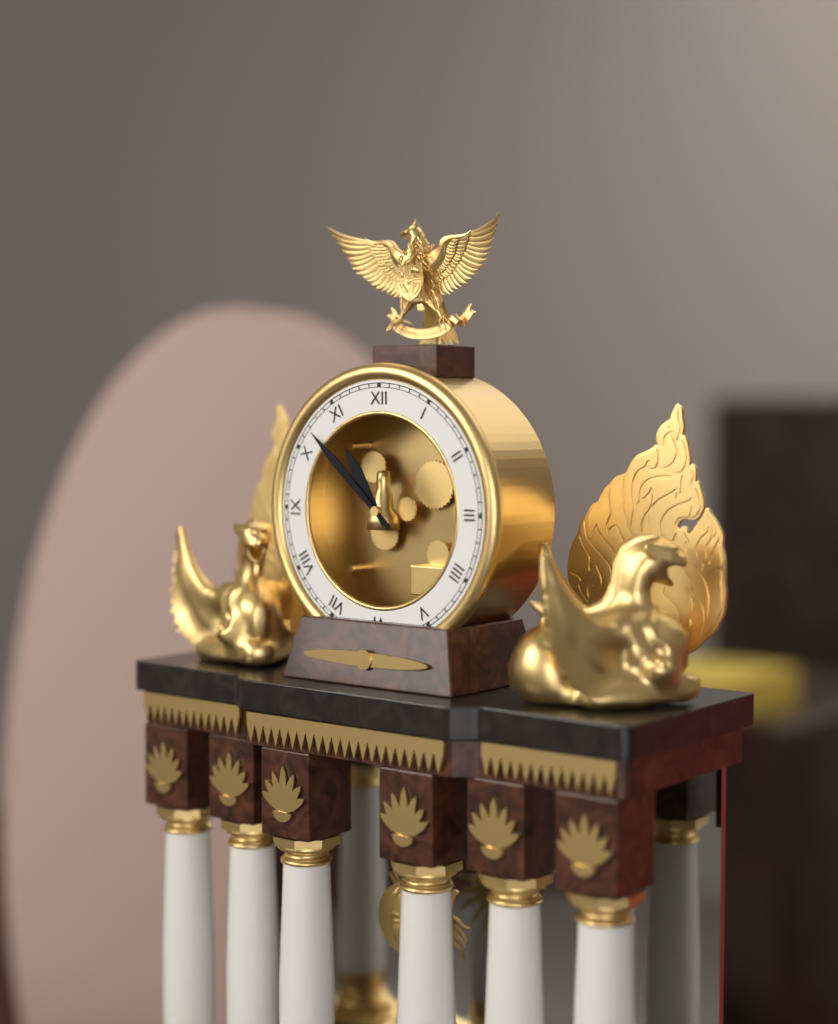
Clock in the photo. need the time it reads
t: 10:52
